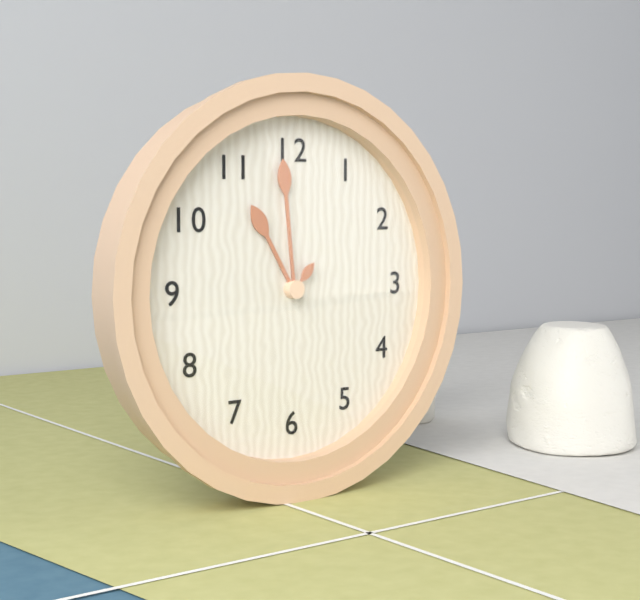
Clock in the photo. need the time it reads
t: 10:59
